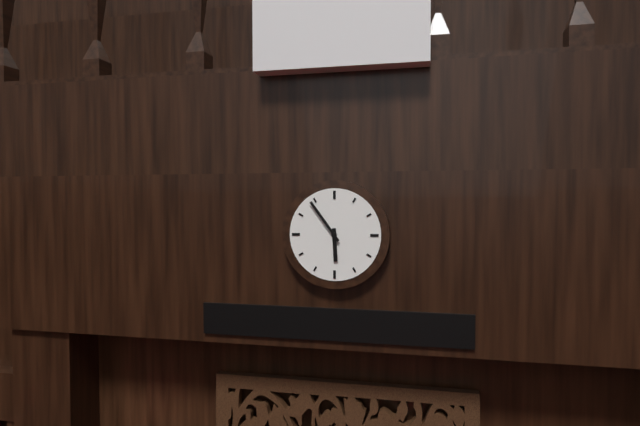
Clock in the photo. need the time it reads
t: 5:54
